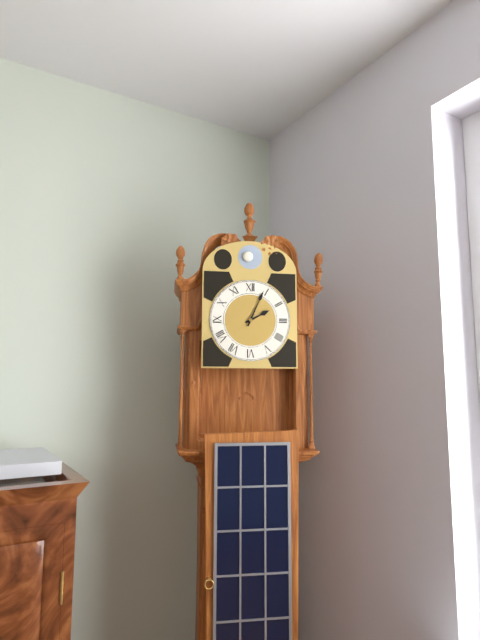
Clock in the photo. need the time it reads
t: 2:04
